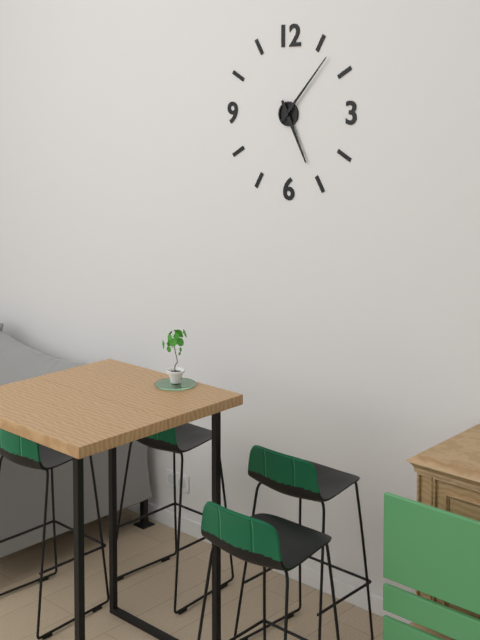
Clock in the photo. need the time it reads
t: 5:07
